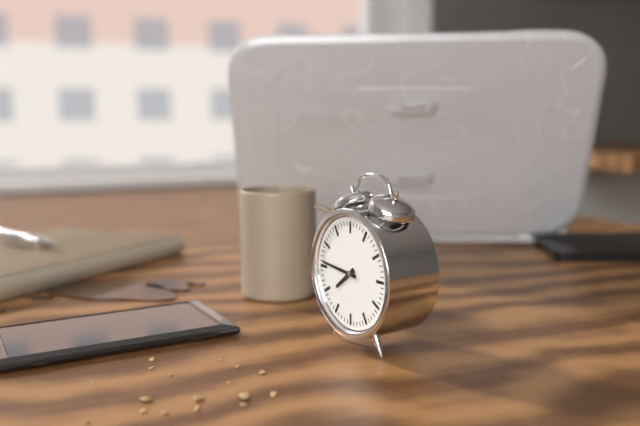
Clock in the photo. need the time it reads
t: 7:46
